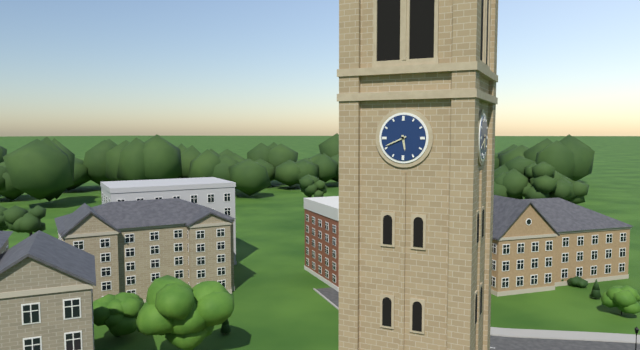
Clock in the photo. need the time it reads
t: 5:41
